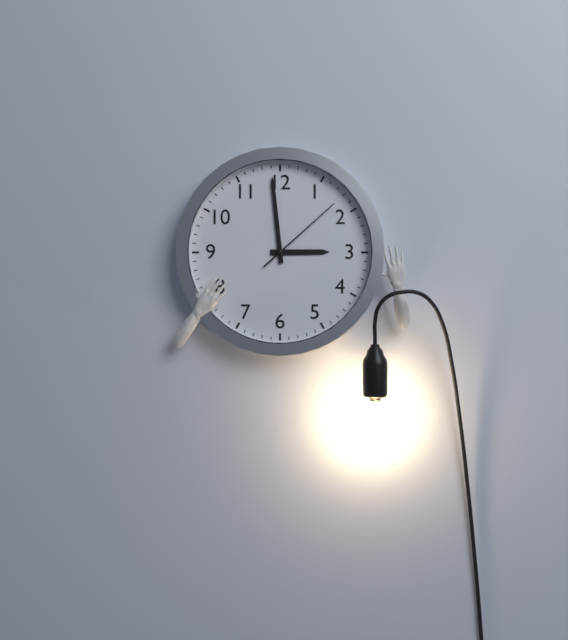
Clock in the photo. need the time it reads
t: 2:59:08
